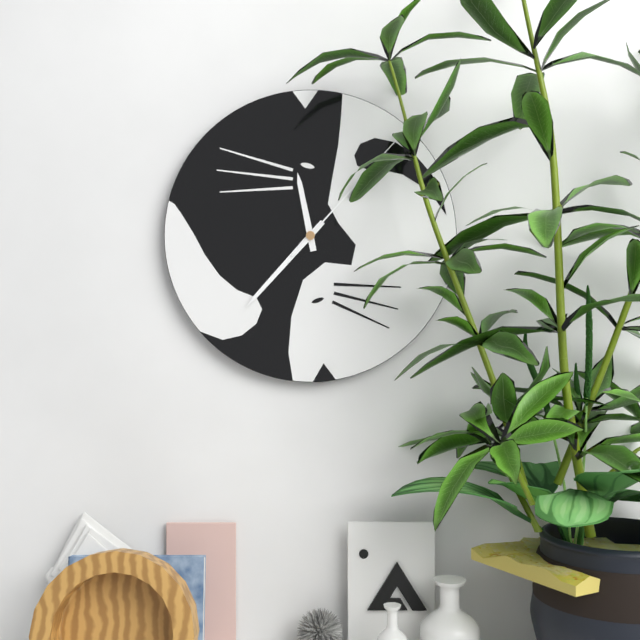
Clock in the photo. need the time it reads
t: 11:37
